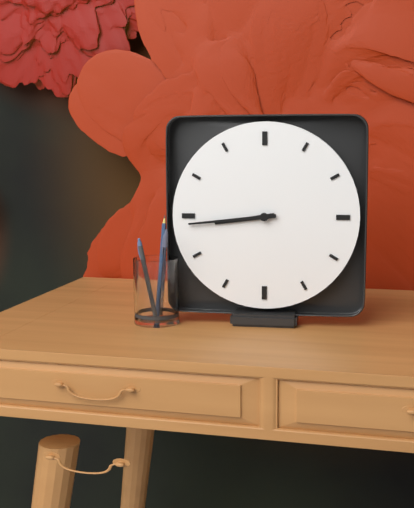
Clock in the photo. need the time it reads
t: 8:44
